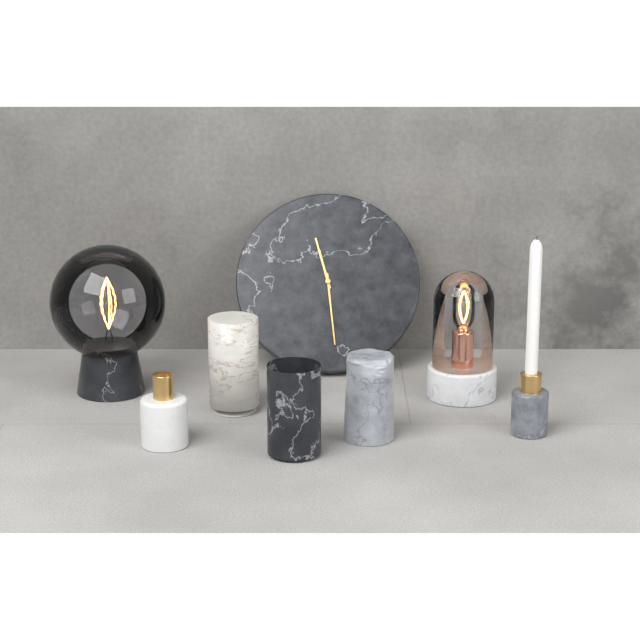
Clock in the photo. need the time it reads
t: 11:29
